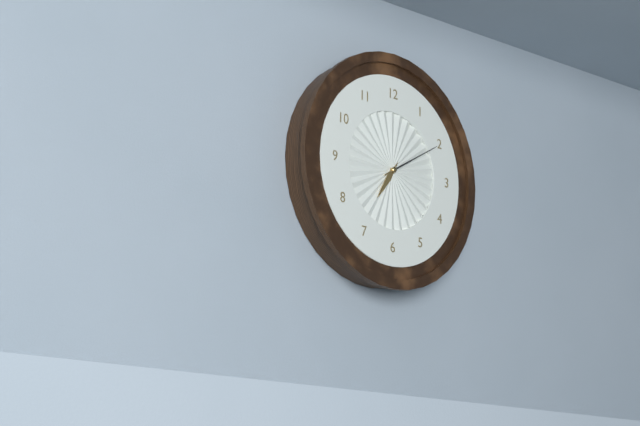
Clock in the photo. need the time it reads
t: 7:10
